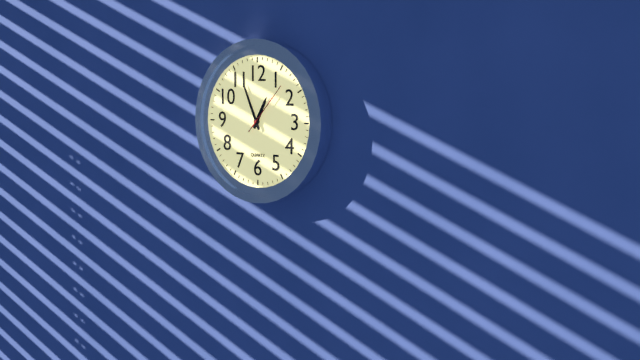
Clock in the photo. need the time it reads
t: 12:56
